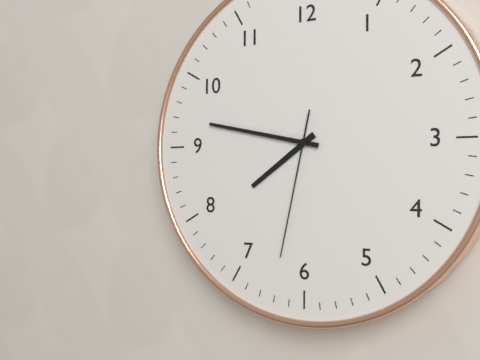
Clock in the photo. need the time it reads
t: 7:47:32
